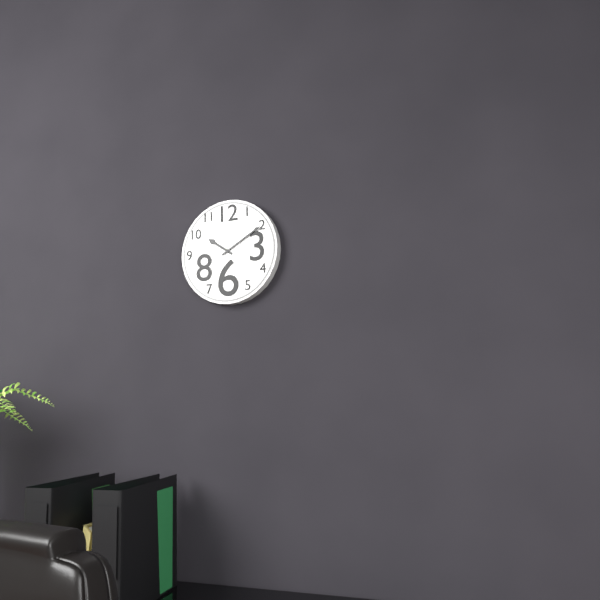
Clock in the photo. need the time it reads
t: 10:10
